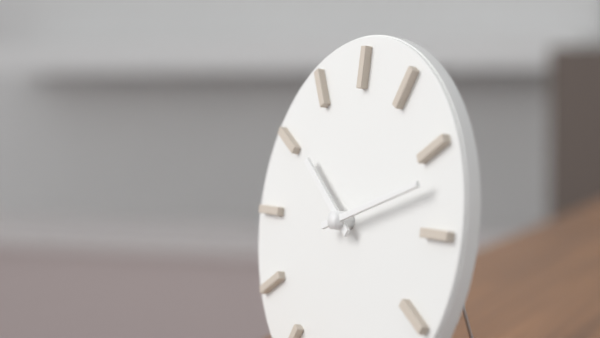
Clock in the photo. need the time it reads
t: 10:12
